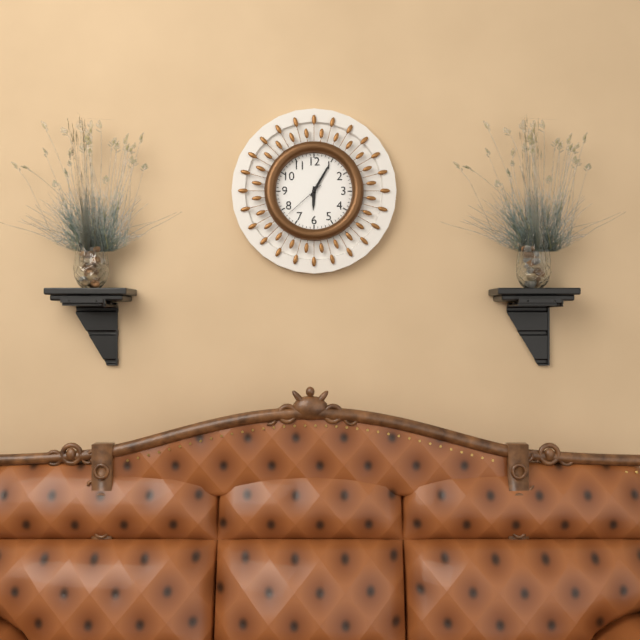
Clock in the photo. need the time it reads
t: 6:05
